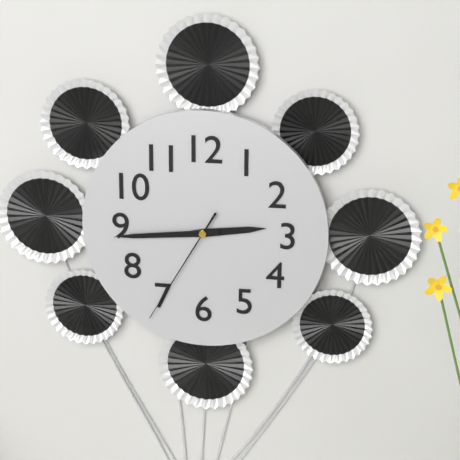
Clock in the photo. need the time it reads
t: 2:44:35
